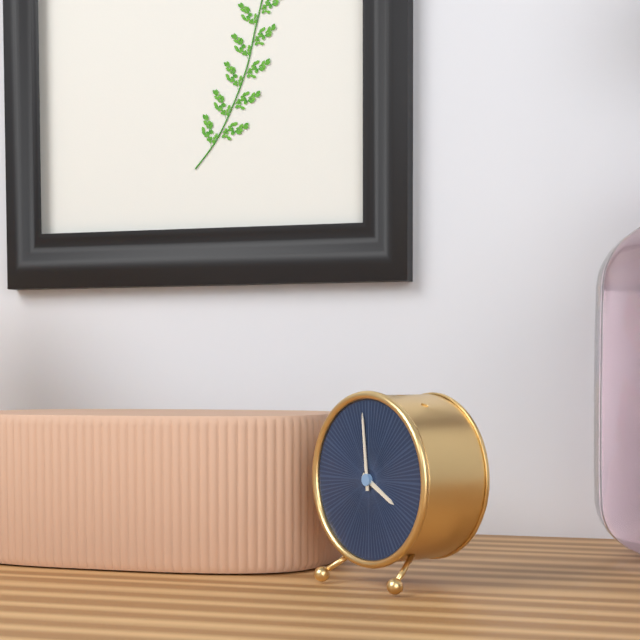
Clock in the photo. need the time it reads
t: 3:59
